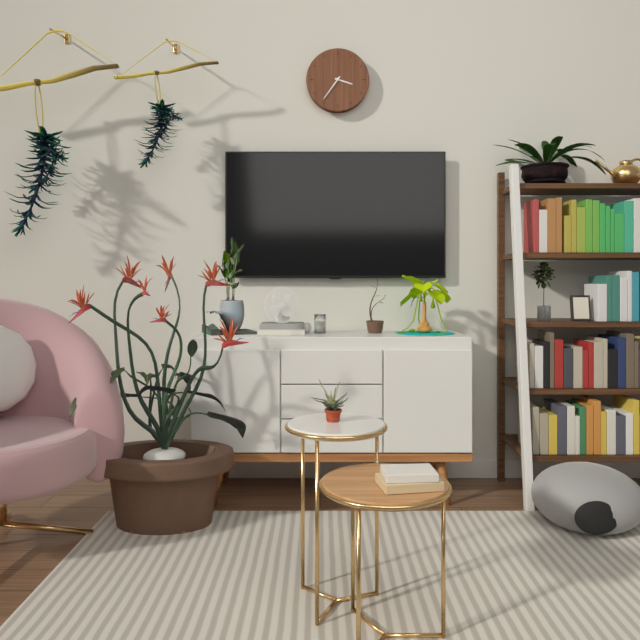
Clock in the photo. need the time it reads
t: 3:36
